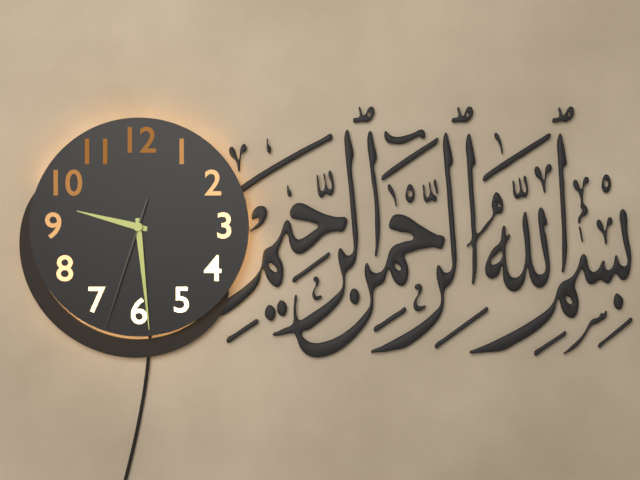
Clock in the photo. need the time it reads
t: 9:29:33
